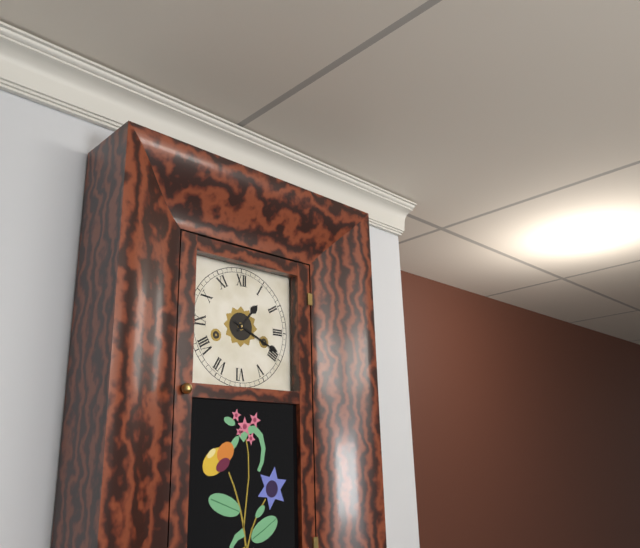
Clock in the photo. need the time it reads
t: 1:19
